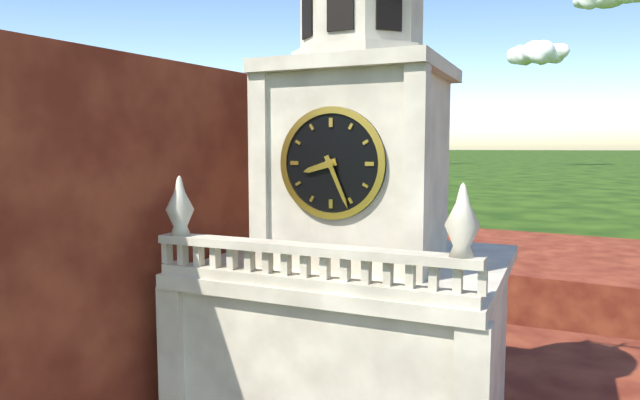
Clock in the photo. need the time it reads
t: 8:26
